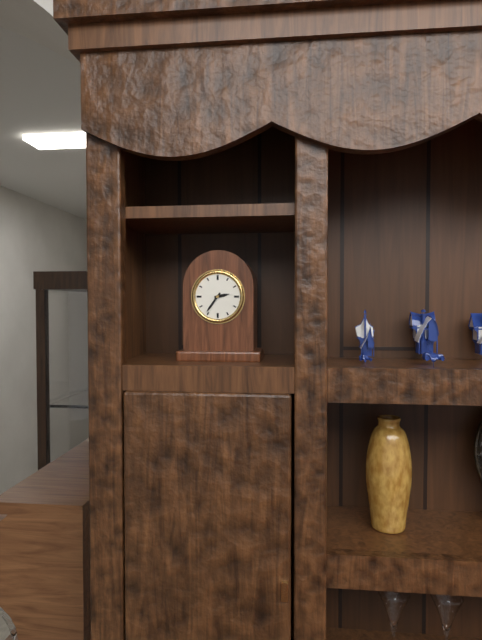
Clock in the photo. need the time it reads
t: 2:36
